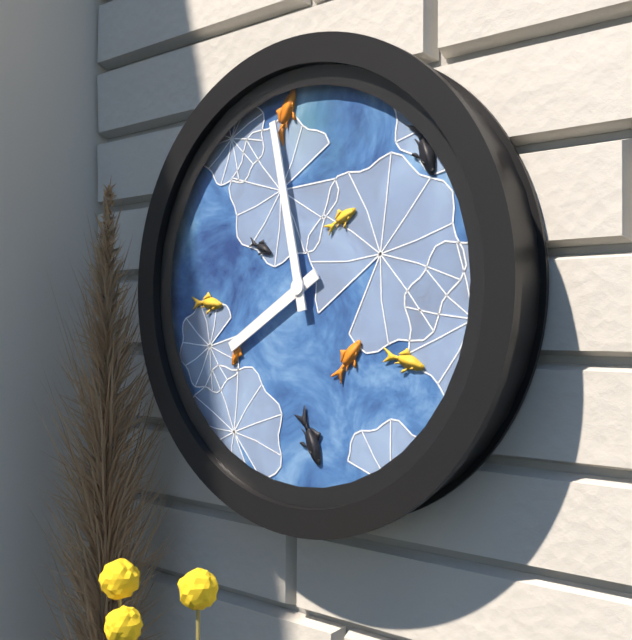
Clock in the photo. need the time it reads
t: 7:58
